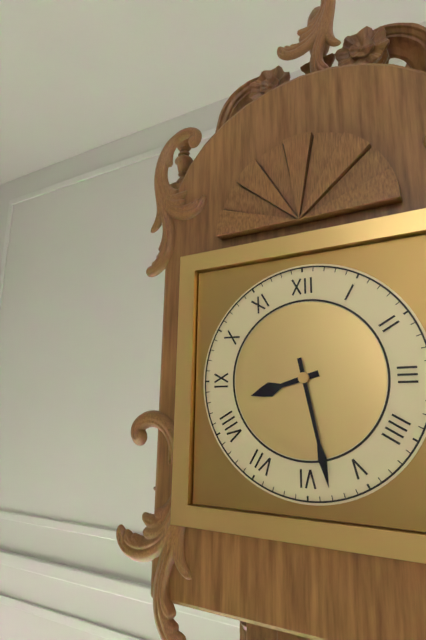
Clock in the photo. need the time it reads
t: 8:28
